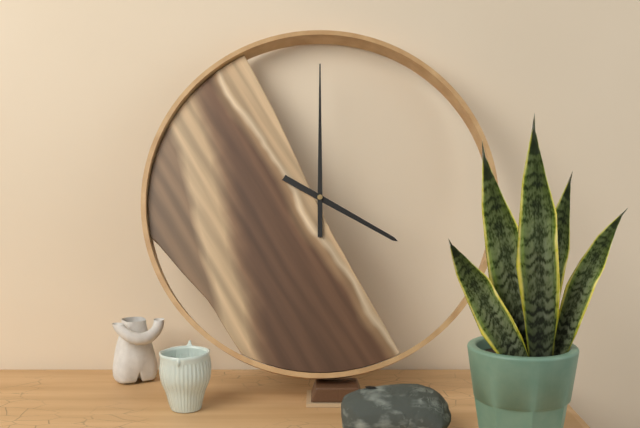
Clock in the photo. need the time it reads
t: 4:00
